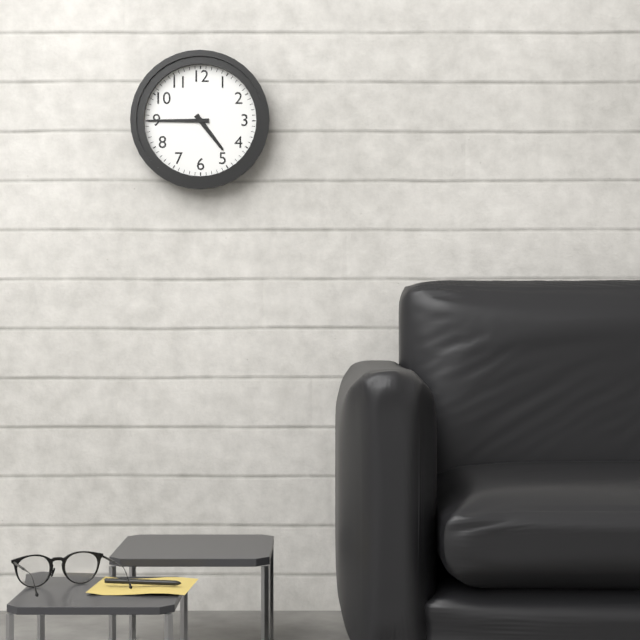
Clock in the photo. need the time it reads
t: 4:45
